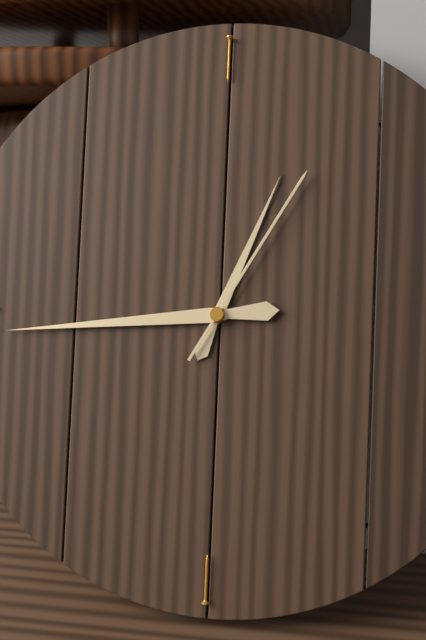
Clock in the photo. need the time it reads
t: 12:44:05
